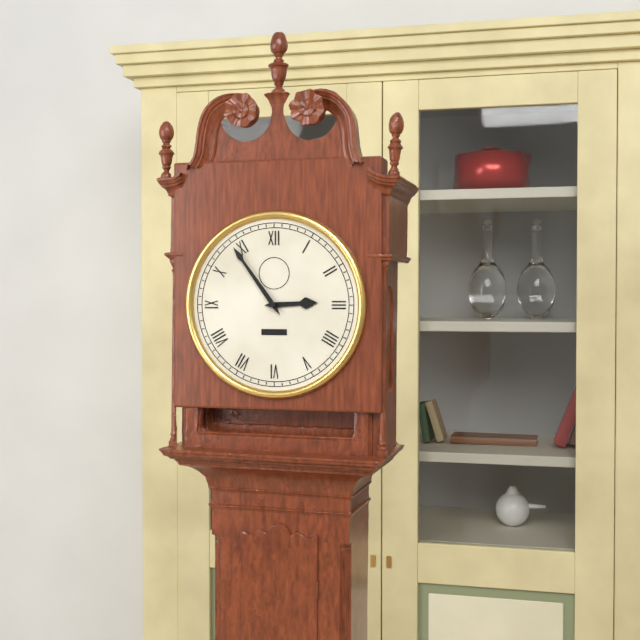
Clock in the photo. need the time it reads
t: 2:54
